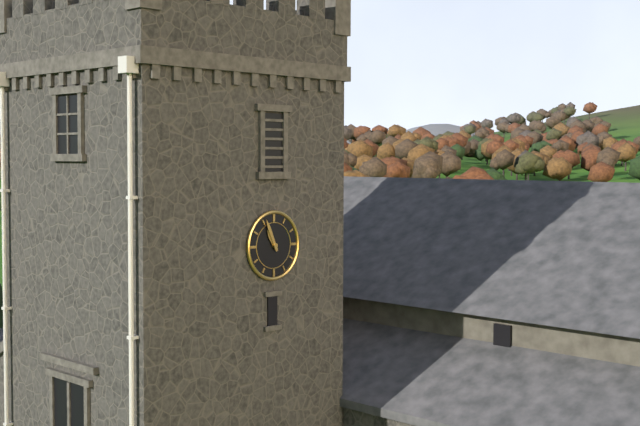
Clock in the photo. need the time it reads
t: 10:56
